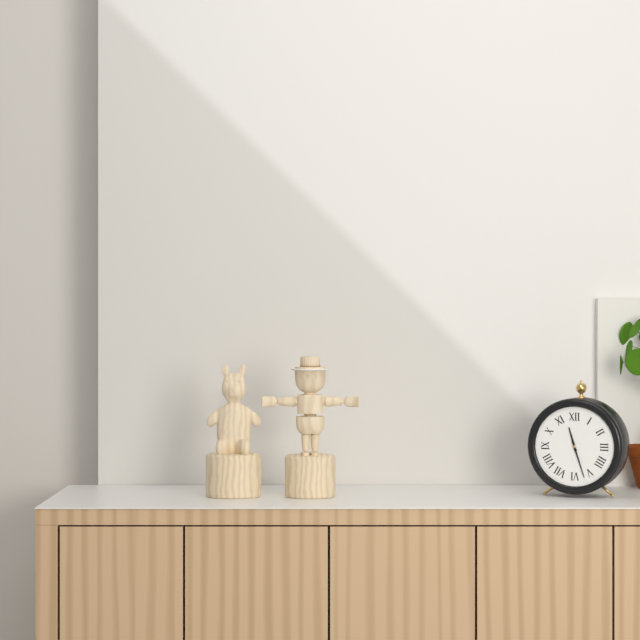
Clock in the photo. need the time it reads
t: 11:27
